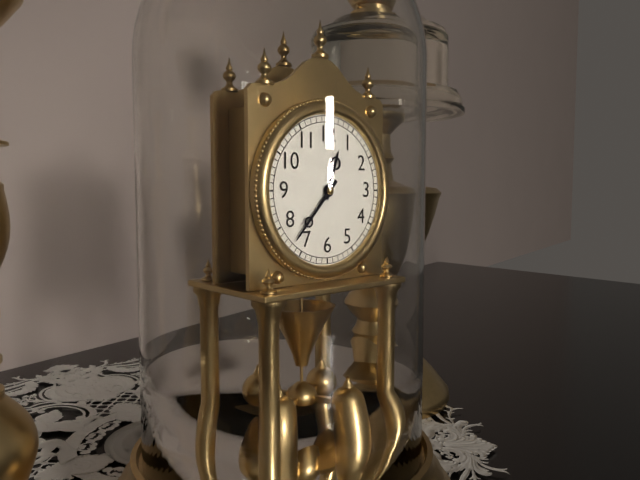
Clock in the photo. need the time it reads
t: 12:37
